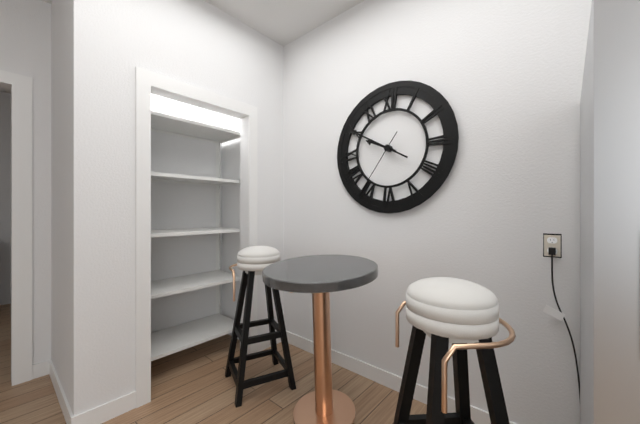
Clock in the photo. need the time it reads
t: 9:50:36
